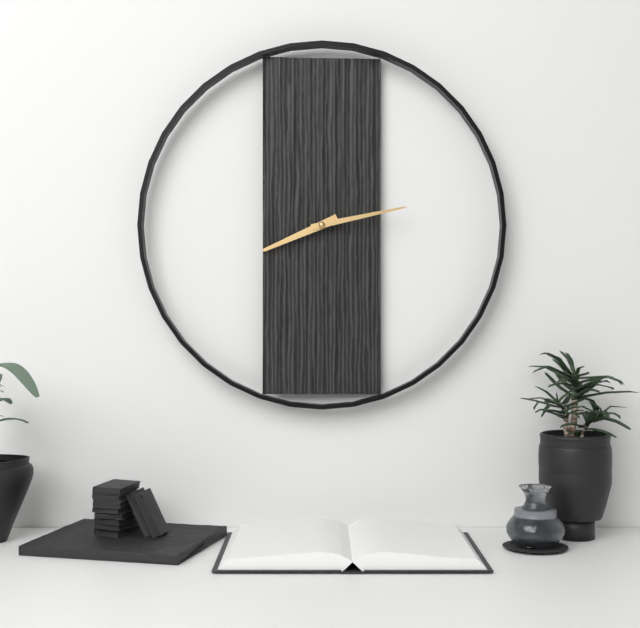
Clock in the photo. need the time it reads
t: 8:13
